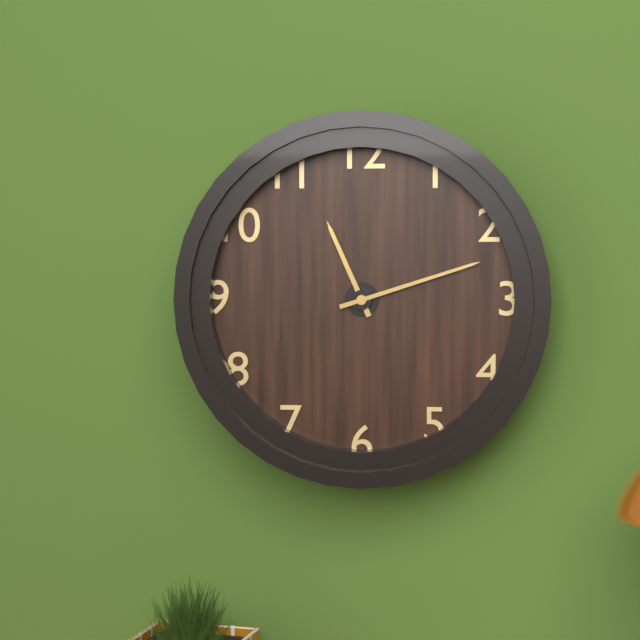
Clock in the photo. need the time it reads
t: 11:12
